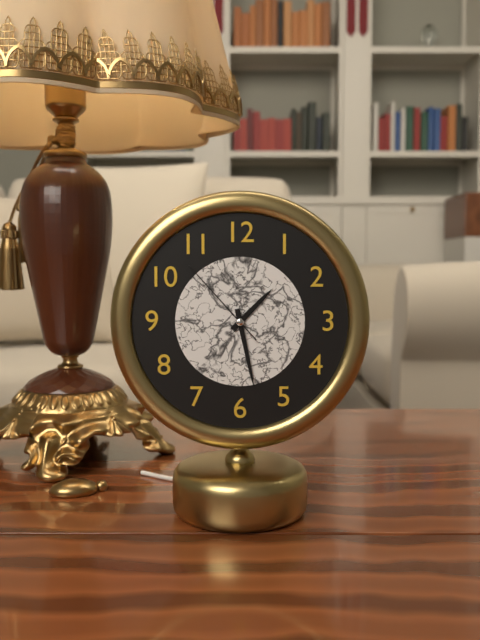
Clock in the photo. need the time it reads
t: 1:28:53
